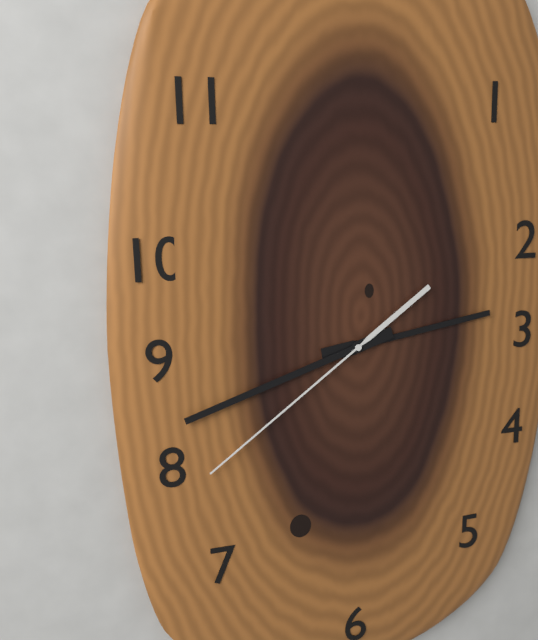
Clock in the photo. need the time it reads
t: 2:42:39
